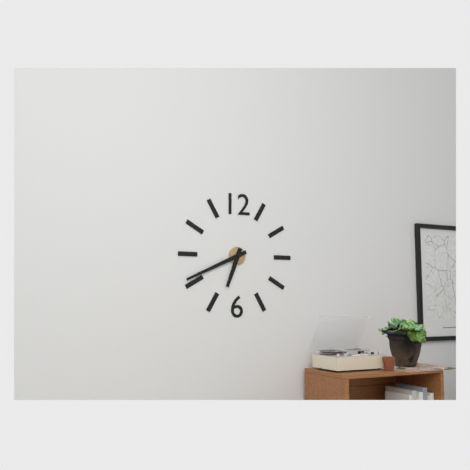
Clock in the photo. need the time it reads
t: 6:41
